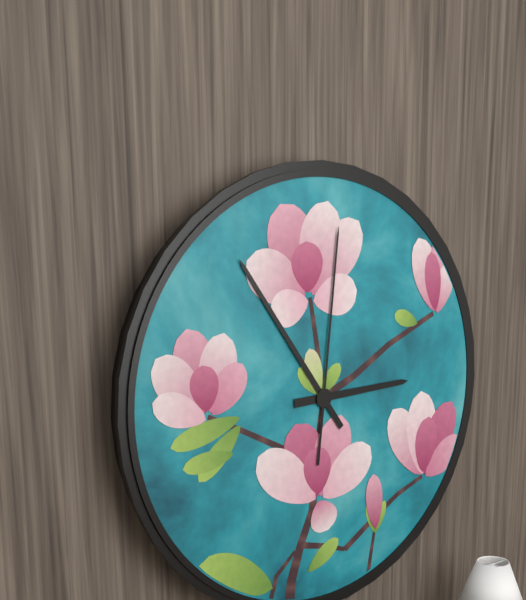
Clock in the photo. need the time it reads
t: 2:54:01
